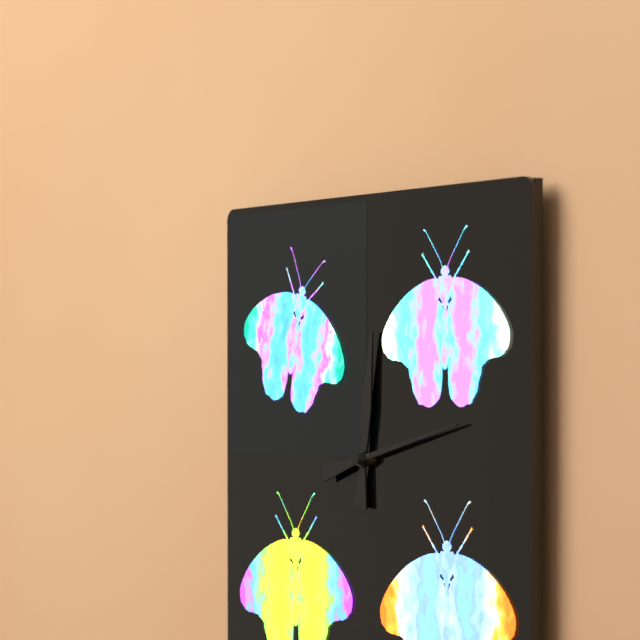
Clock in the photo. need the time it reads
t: 12:13
